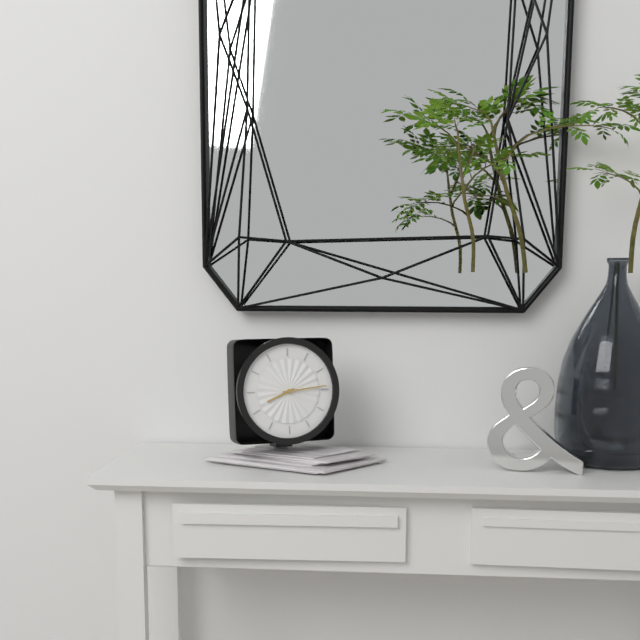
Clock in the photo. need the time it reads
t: 8:14
